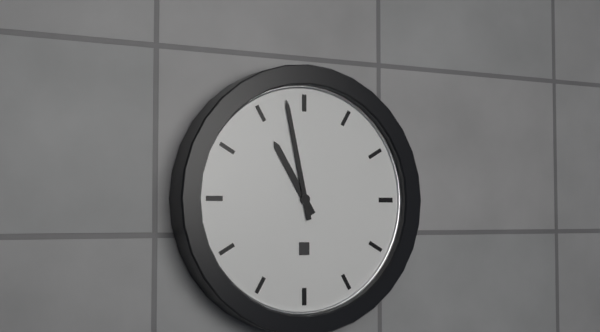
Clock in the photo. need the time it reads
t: 10:58
